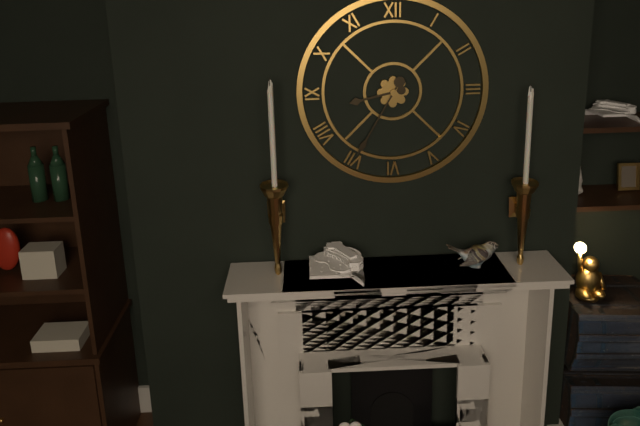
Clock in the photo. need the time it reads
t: 8:35
